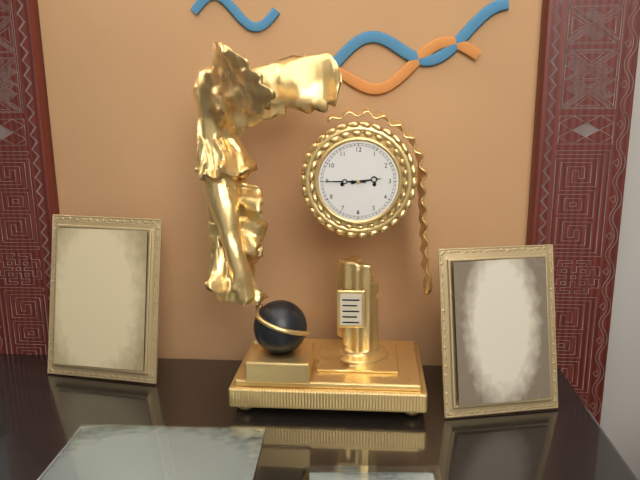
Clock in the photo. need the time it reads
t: 2:45
